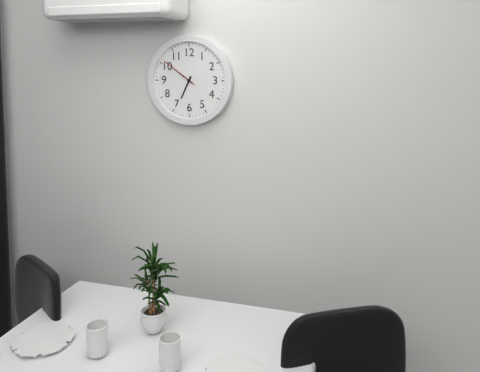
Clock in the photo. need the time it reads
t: 6:51
